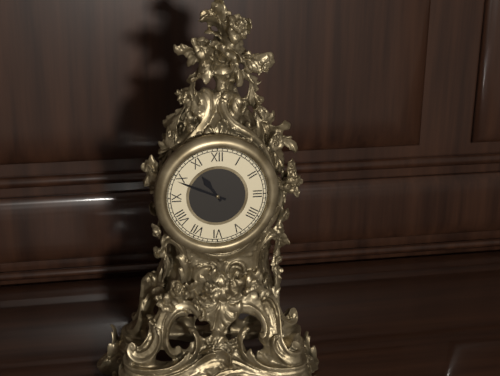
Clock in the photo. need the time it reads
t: 10:49
